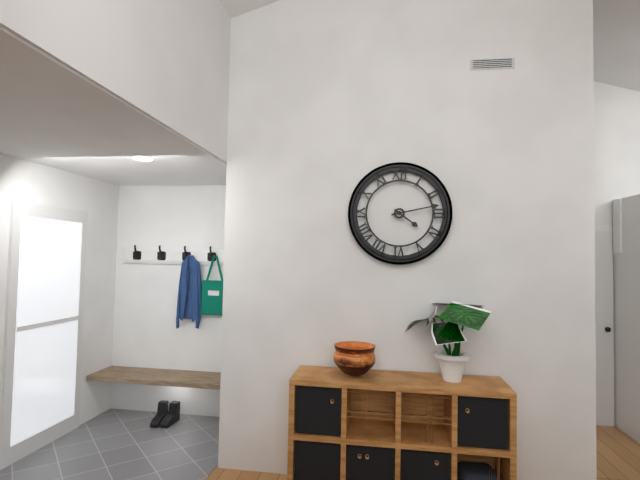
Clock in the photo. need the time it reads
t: 4:13
